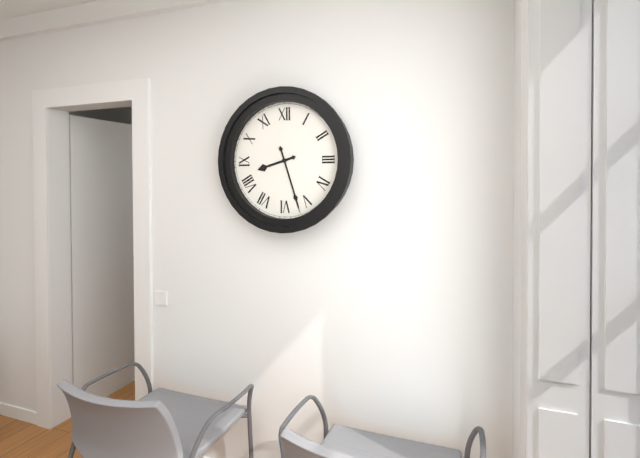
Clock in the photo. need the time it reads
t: 8:27
